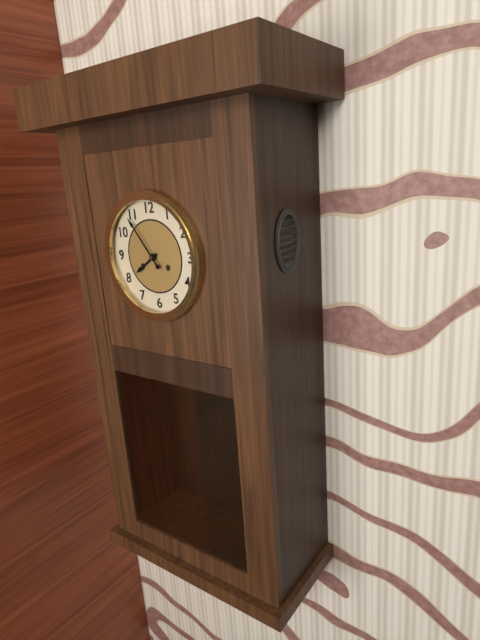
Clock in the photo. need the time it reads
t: 7:54
